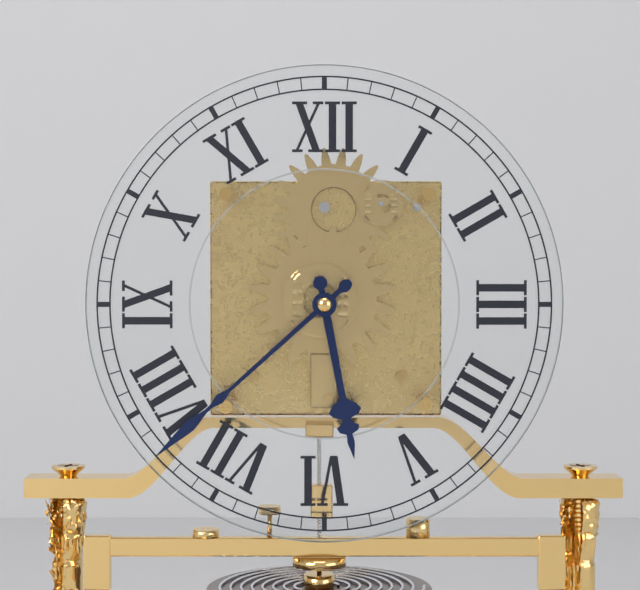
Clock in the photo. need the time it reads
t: 5:38
